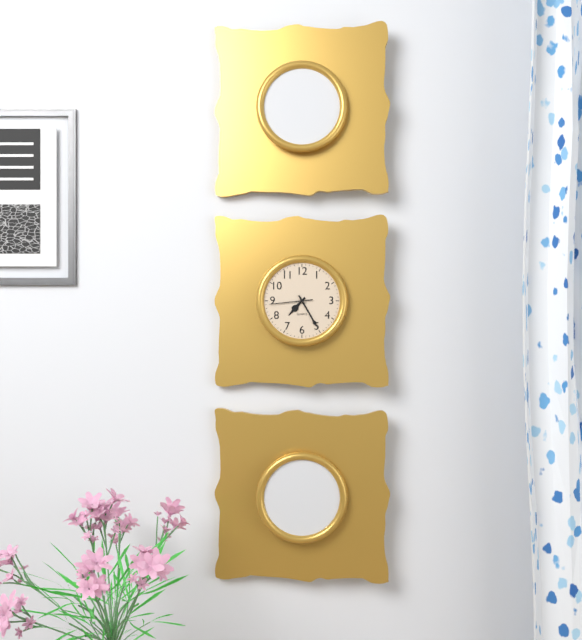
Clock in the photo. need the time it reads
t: 7:25
